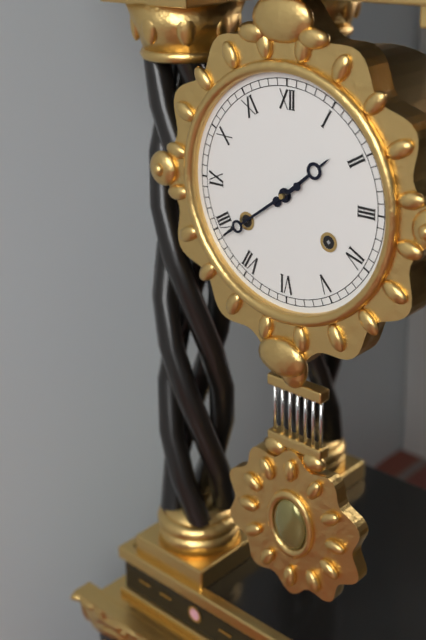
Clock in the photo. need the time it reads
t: 1:39
